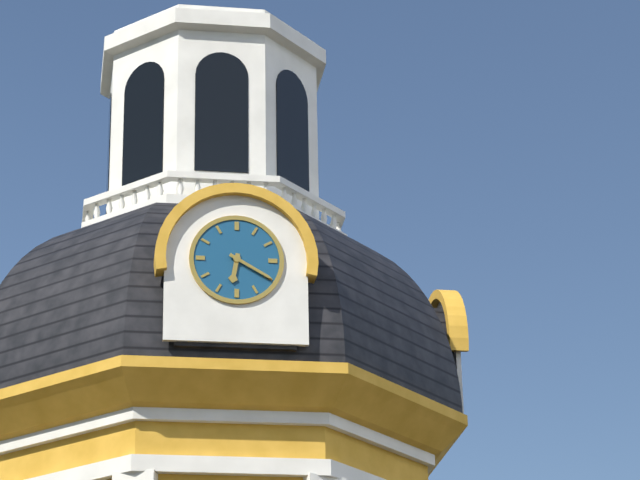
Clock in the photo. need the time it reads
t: 6:20
